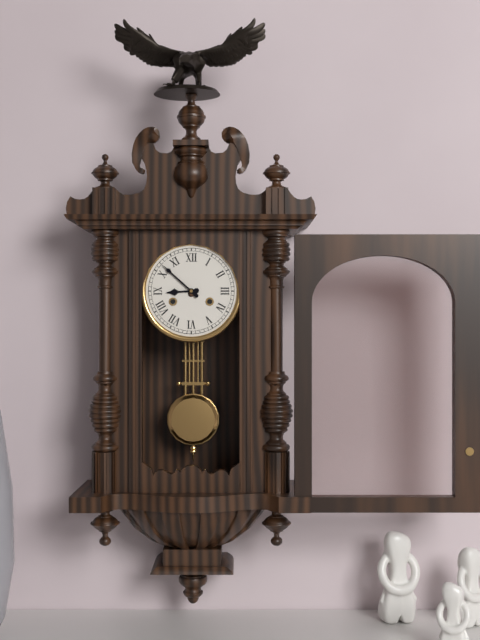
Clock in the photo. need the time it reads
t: 8:52
